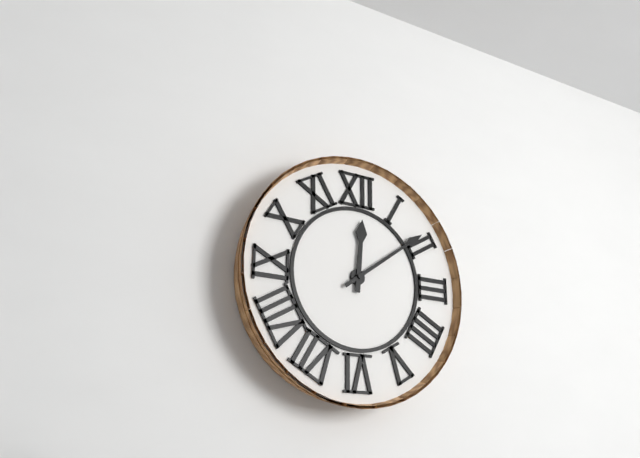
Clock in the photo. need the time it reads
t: 12:09
